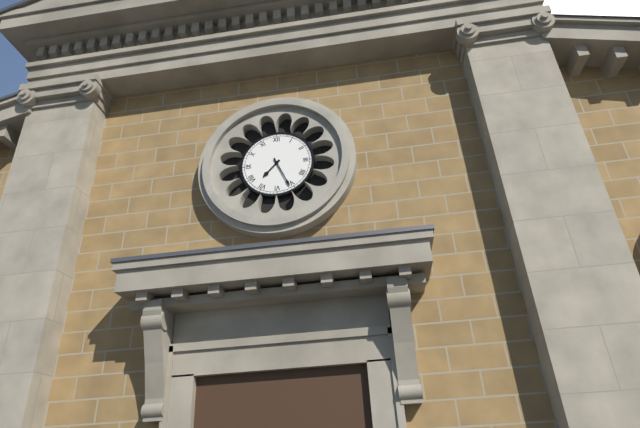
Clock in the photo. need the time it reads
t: 7:26
